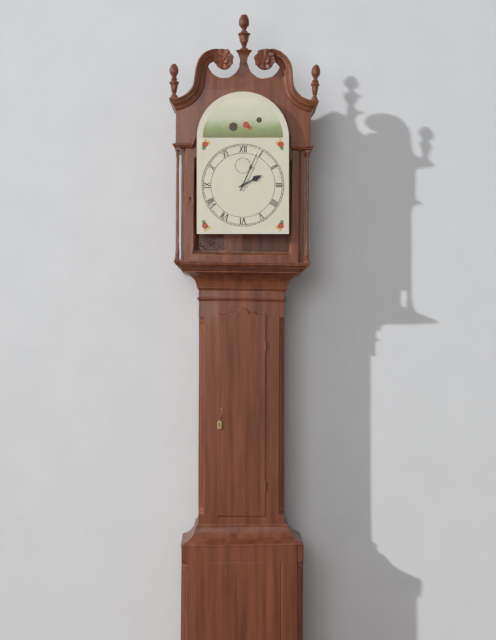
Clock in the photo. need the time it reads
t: 2:04
